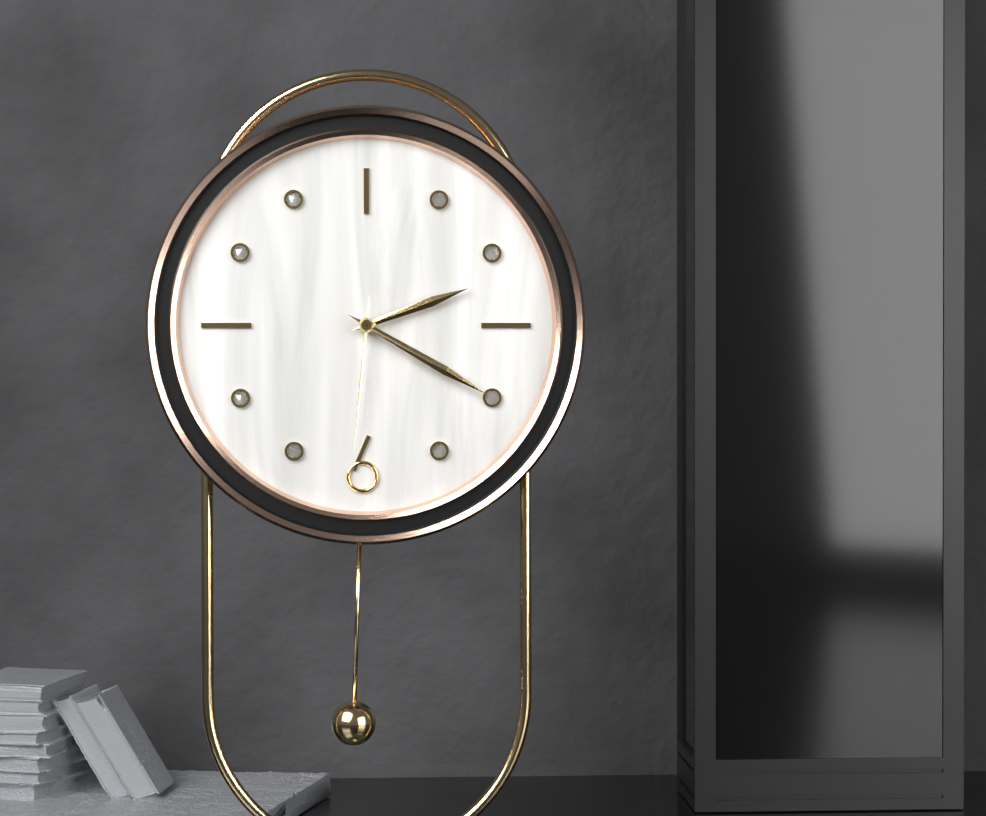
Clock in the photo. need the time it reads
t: 2:20:31
